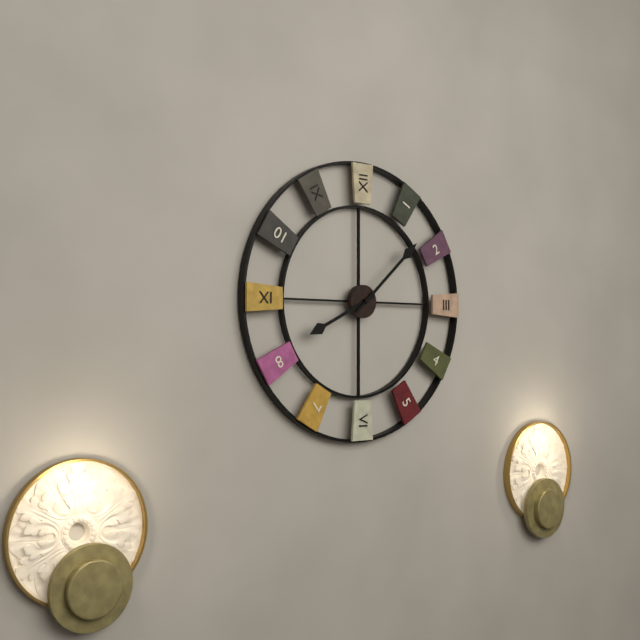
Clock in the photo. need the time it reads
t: 8:08
